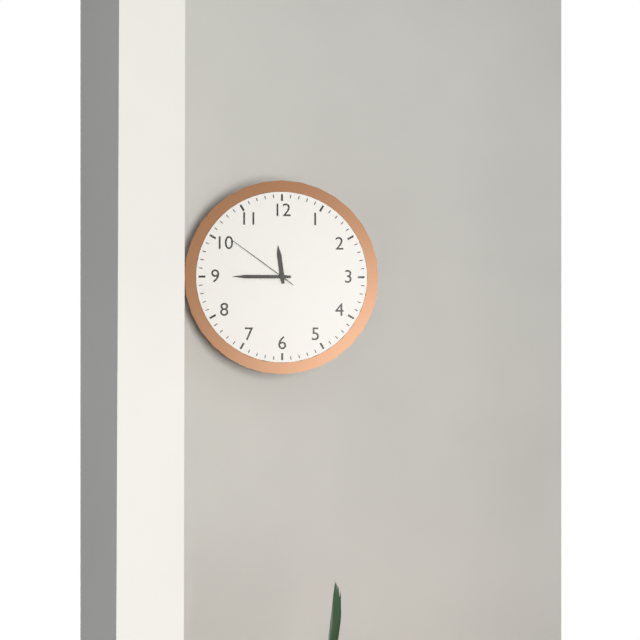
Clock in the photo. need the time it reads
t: 11:45:51
